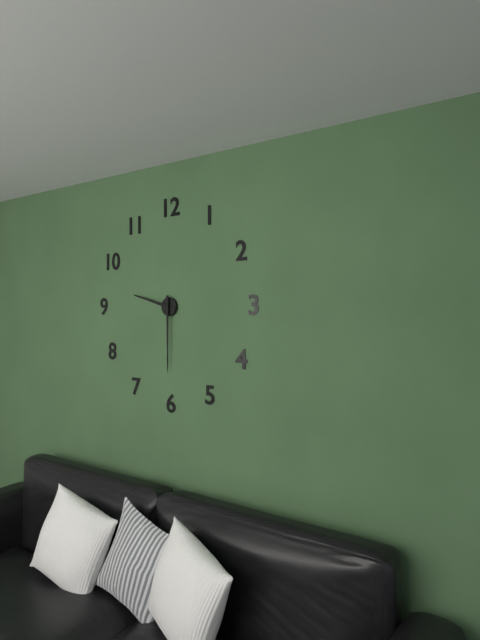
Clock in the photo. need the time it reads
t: 9:30
